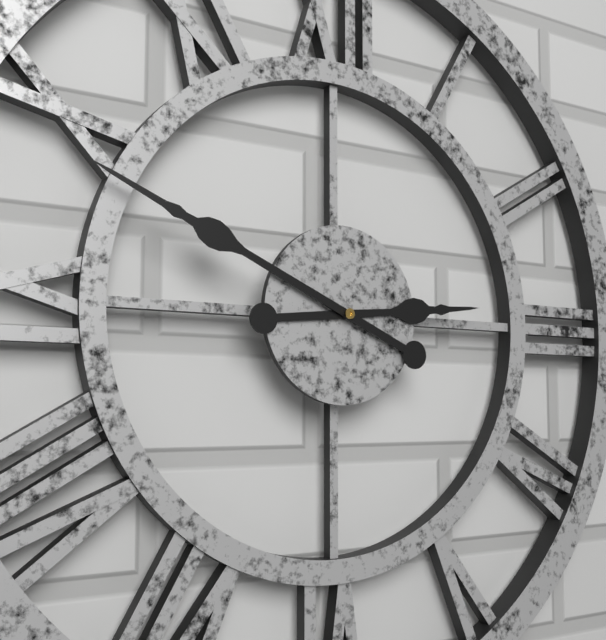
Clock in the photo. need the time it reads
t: 2:49
